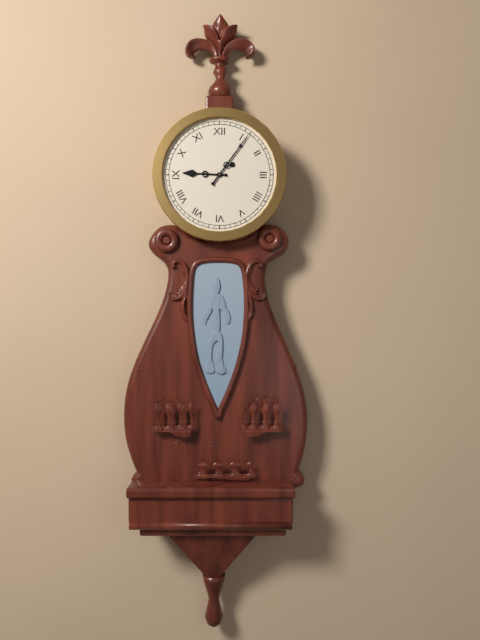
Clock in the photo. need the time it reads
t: 9:06
